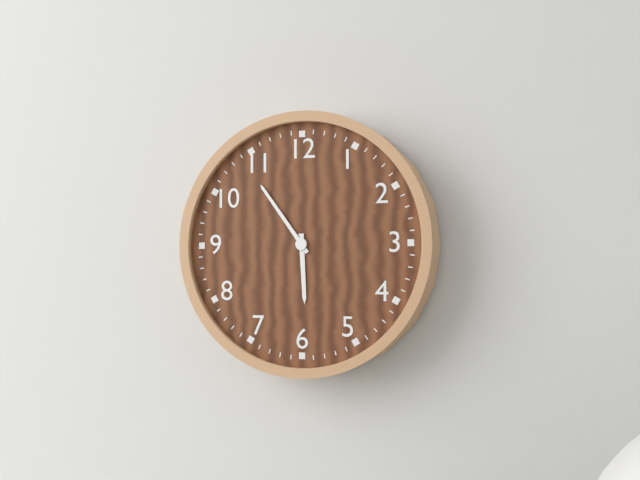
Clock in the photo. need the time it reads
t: 5:54
